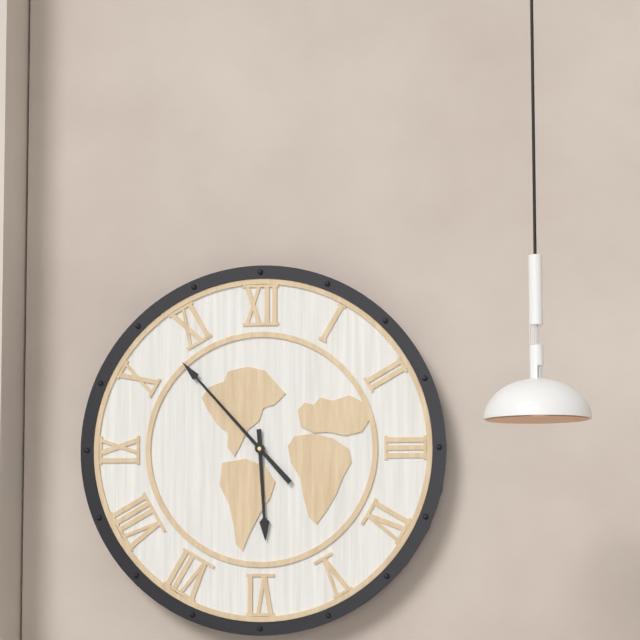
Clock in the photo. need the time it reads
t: 5:53
